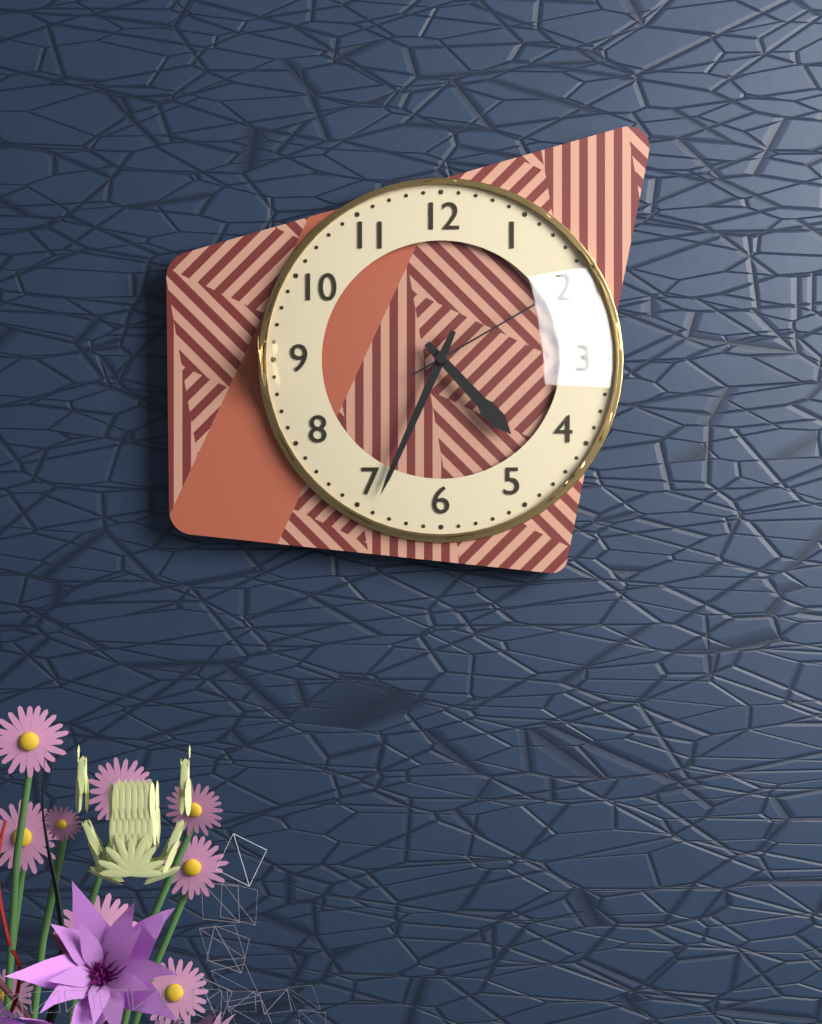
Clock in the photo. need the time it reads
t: 4:34:10
